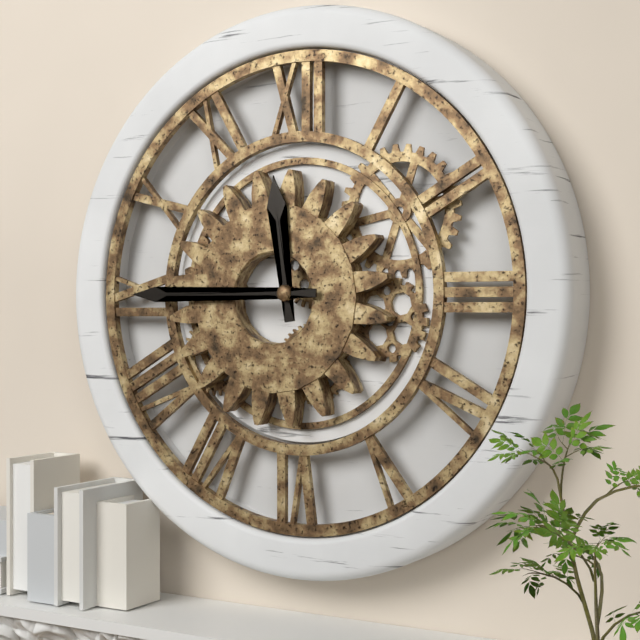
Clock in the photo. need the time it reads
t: 11:45
